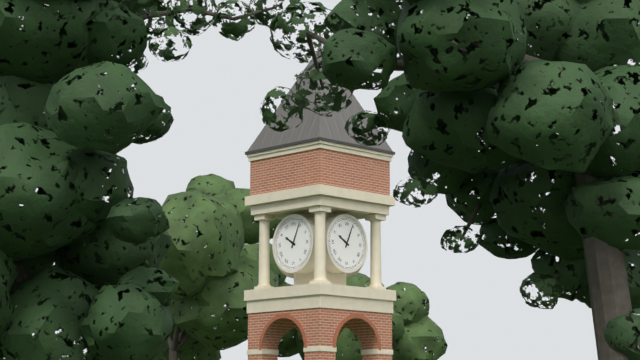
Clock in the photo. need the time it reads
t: 10:04
